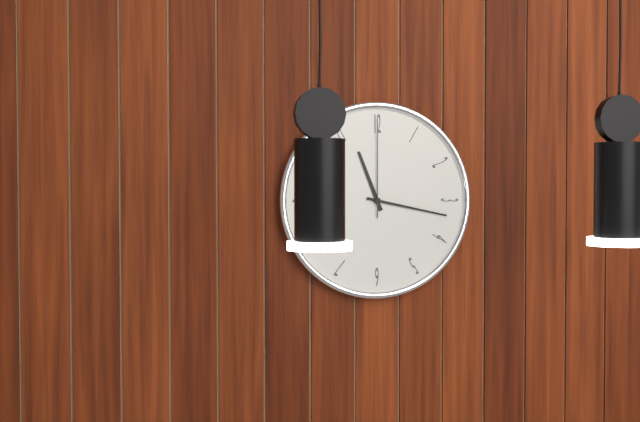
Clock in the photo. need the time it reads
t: 11:17:00
